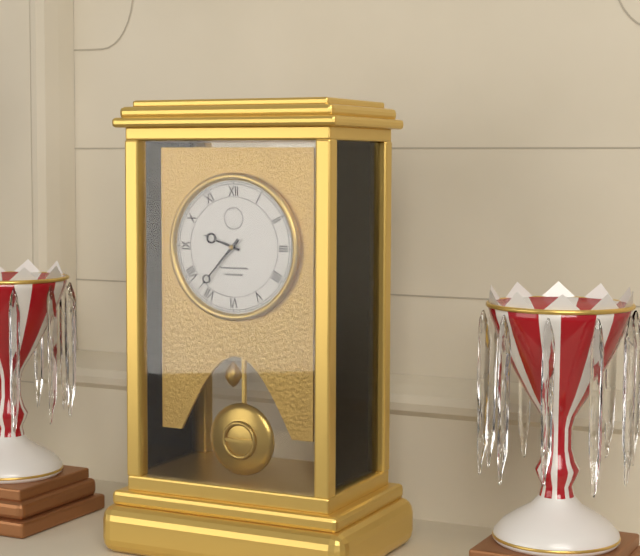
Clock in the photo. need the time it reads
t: 9:37
